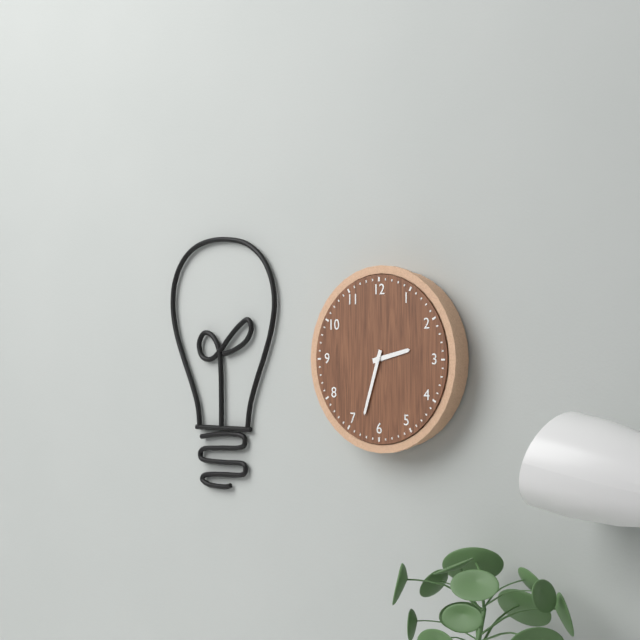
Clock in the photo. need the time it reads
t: 2:33
